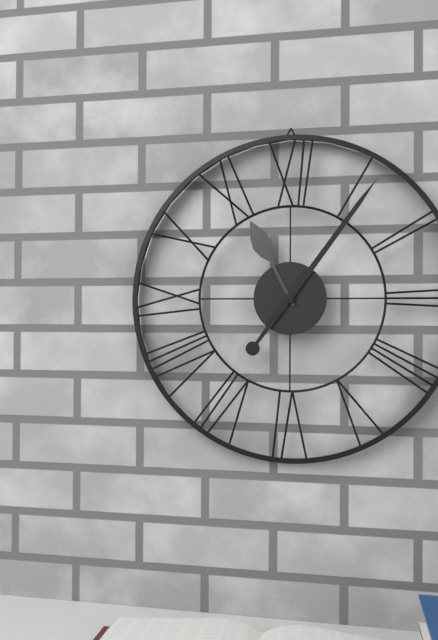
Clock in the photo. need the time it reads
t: 11:06
